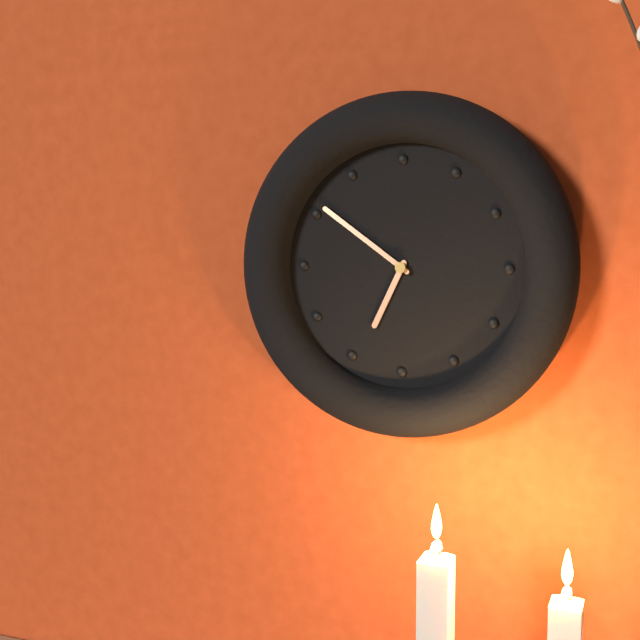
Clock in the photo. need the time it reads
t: 6:51
